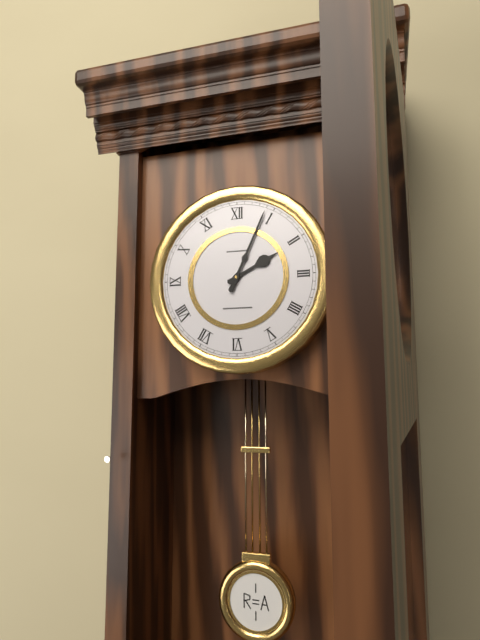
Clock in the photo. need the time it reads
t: 2:04
